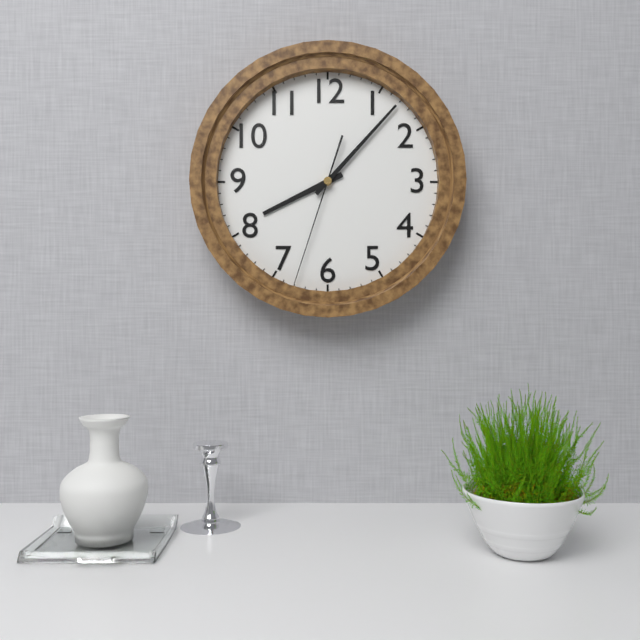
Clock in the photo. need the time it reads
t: 8:07:33
